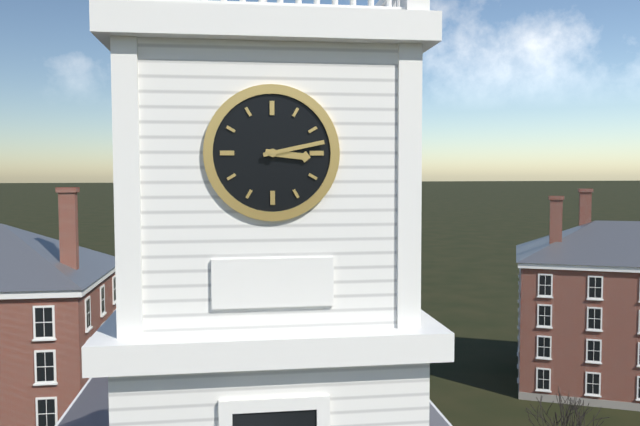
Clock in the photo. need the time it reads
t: 3:13
